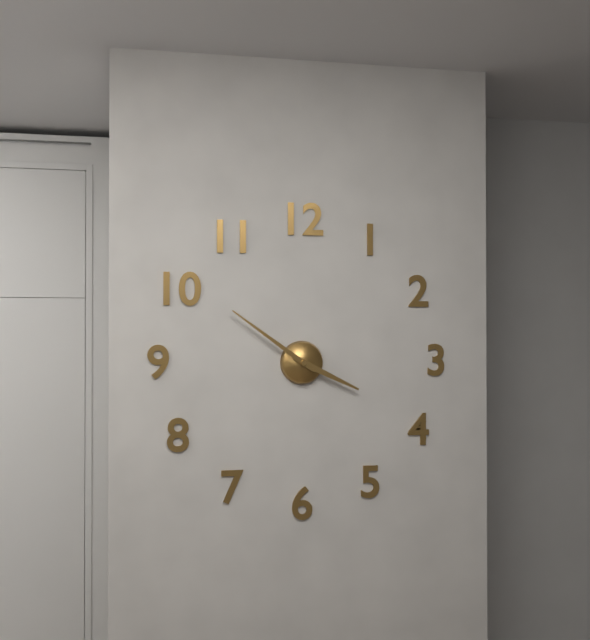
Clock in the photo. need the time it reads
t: 3:51
